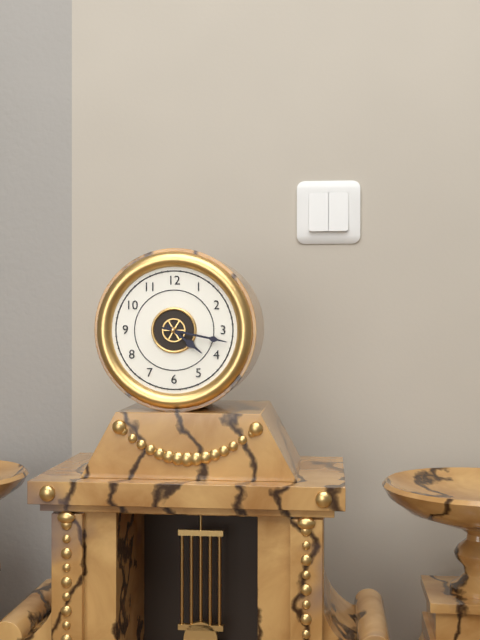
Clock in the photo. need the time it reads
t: 4:17
